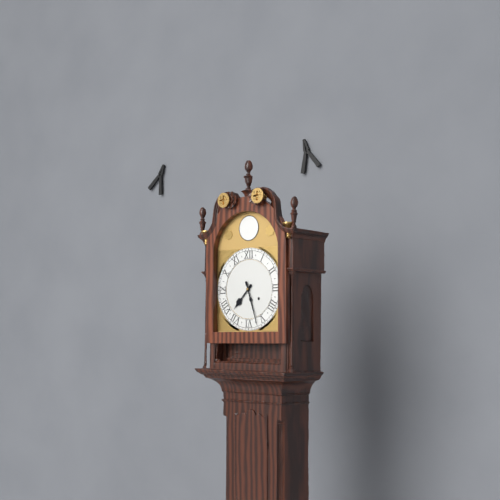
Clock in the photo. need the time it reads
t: 7:27
